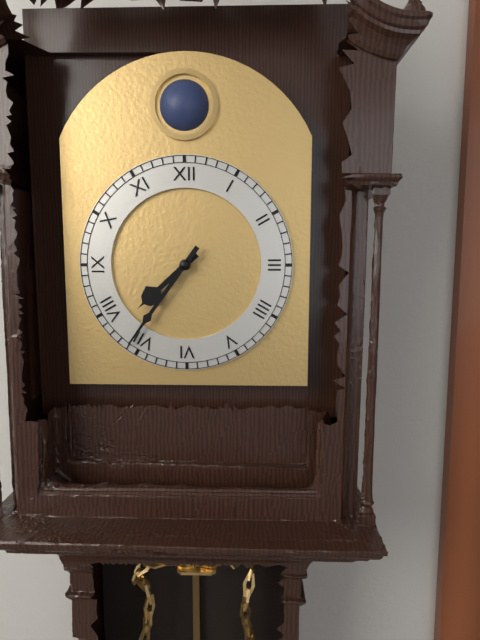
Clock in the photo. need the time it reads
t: 7:36
